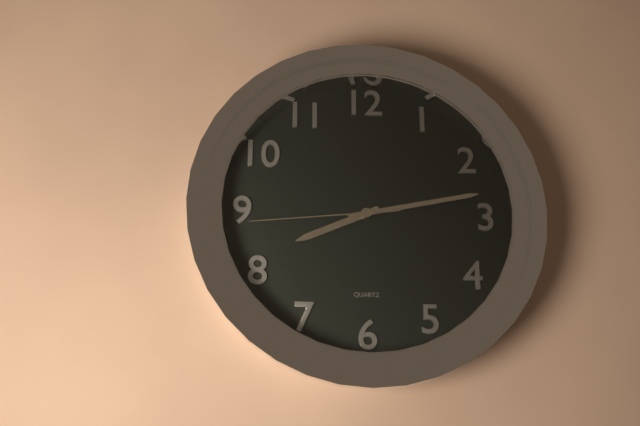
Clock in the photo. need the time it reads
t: 8:13:44
